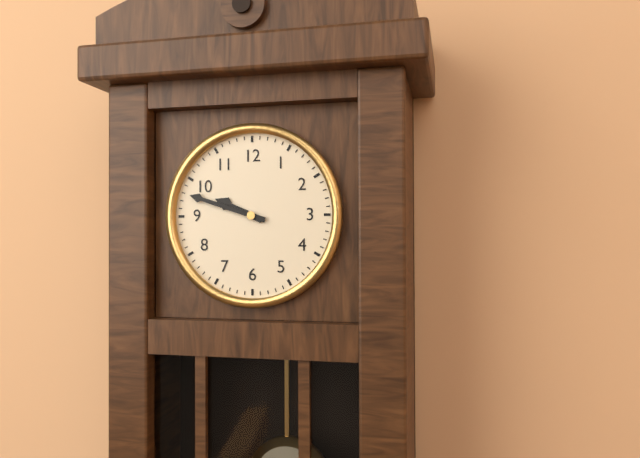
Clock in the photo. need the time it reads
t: 9:48
